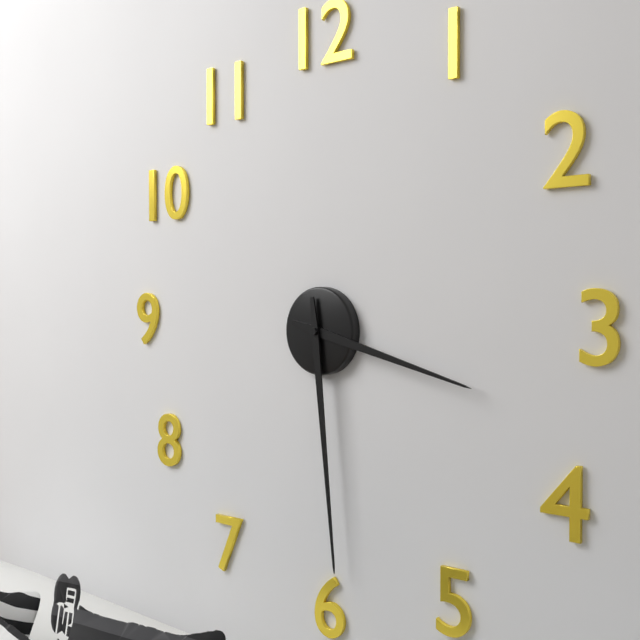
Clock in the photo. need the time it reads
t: 3:29
